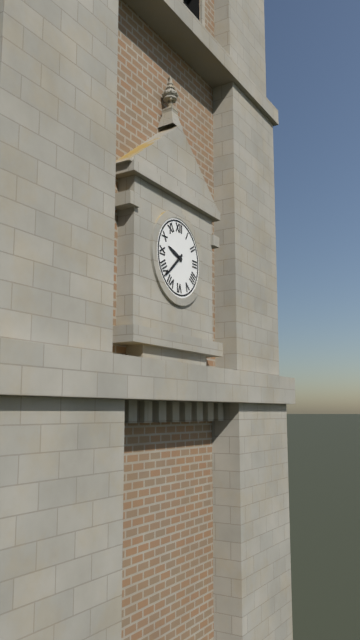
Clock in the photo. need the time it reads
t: 9:38
